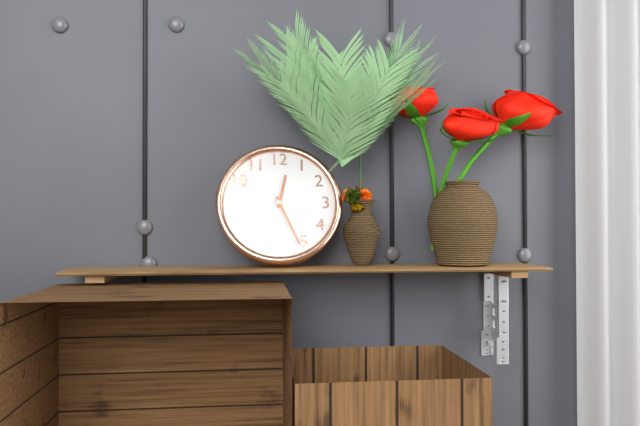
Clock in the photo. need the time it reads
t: 12:26
